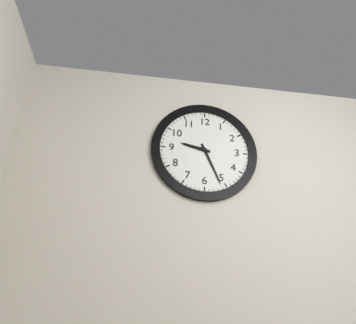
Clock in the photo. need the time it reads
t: 9:26
